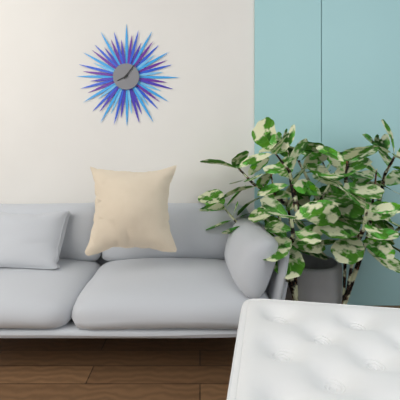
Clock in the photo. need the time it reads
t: 8:06
